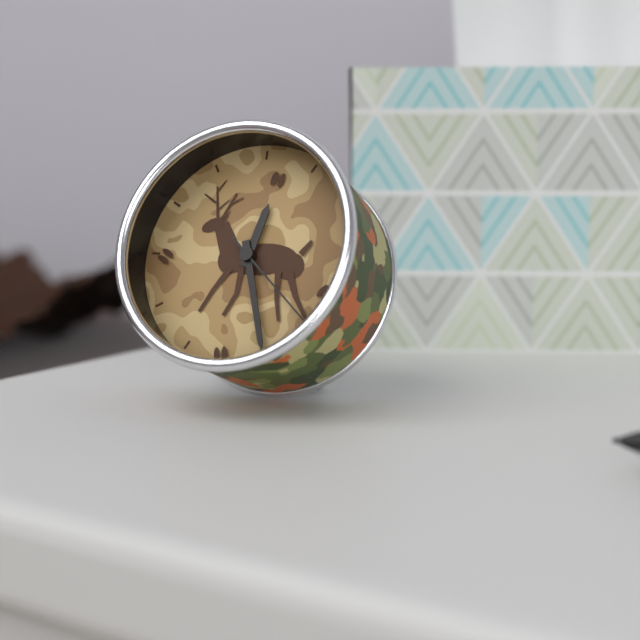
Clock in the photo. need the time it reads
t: 12:27:22
